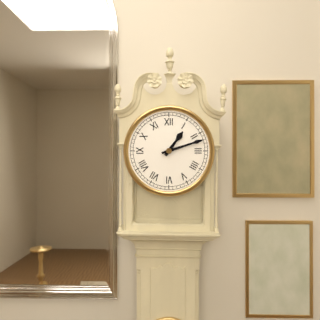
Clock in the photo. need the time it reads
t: 1:12
